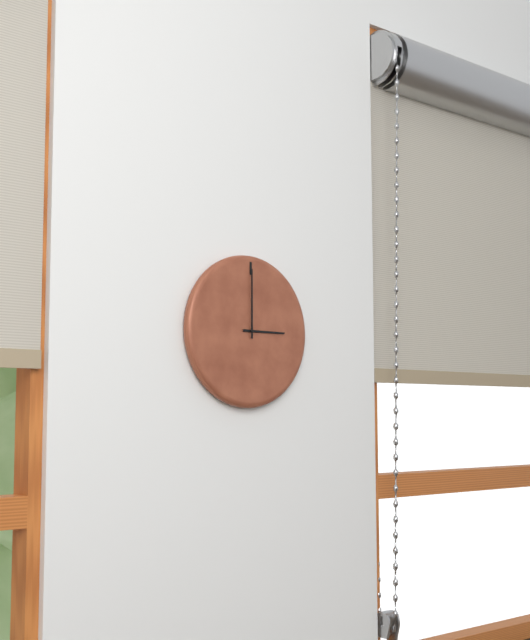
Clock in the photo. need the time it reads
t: 3:00
